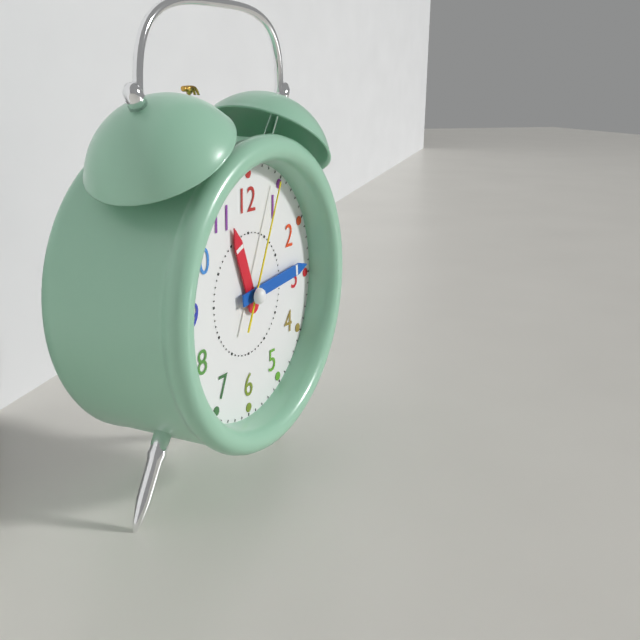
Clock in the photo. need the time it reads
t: 11:14:04
